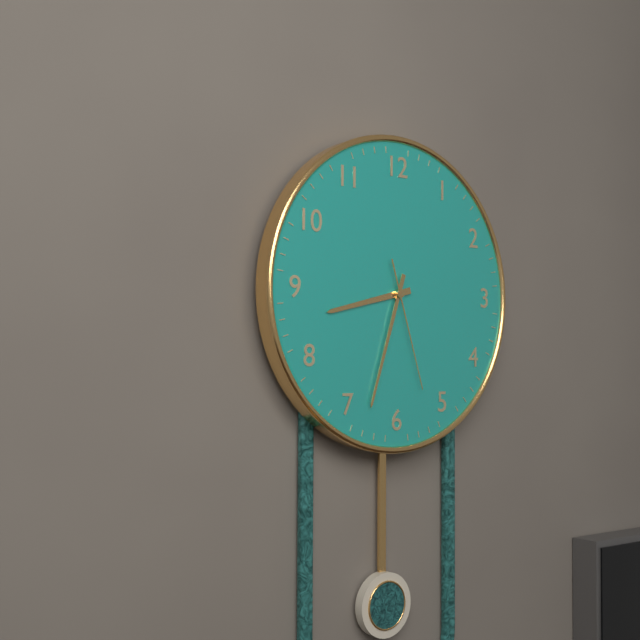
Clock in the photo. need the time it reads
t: 8:33:27
